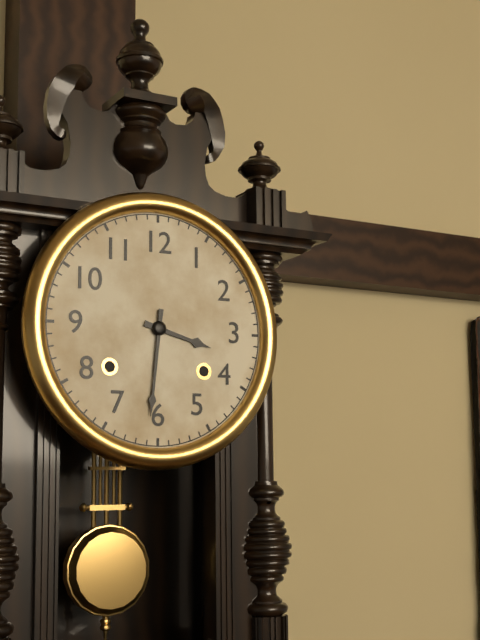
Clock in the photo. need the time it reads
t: 3:31
